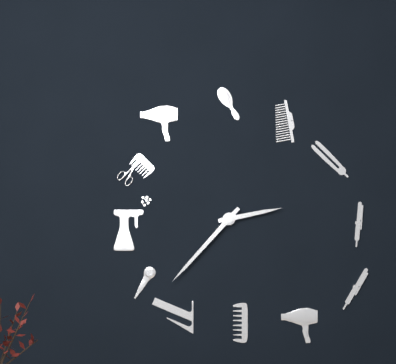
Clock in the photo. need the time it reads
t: 2:37
